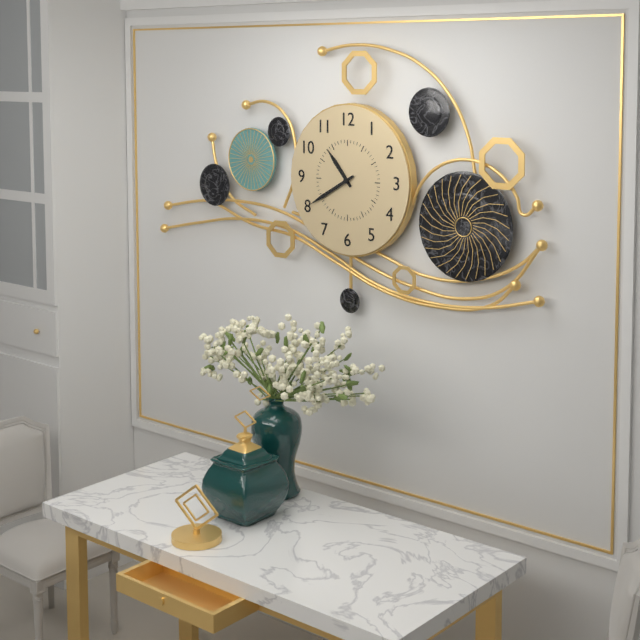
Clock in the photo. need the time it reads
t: 10:40
